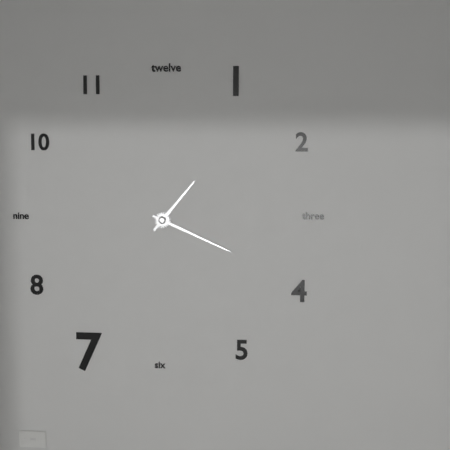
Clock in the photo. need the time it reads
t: 1:19
